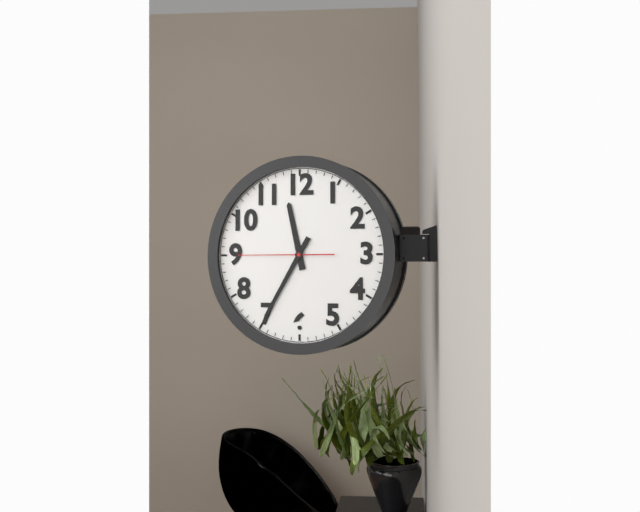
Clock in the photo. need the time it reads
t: 11:35:45
